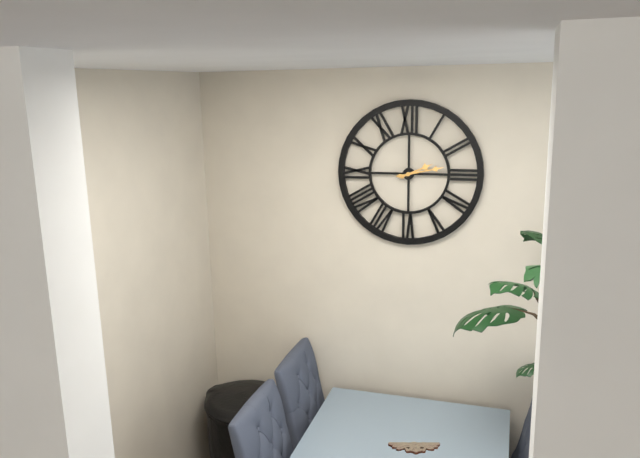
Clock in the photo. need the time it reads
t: 2:13
